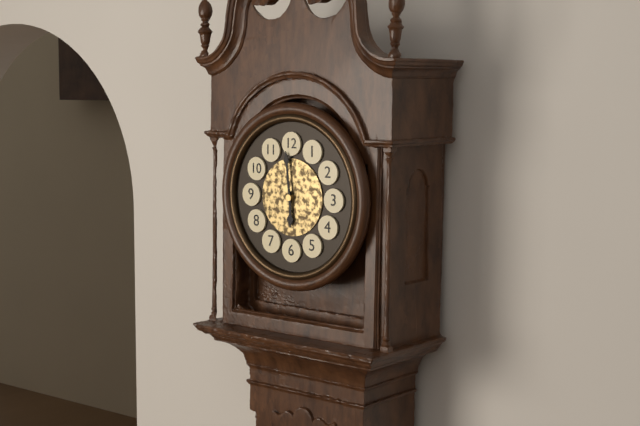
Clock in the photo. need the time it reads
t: 5:59
